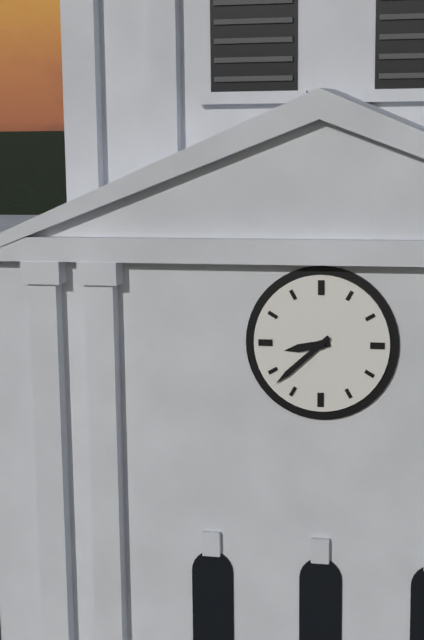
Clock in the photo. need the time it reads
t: 8:38
